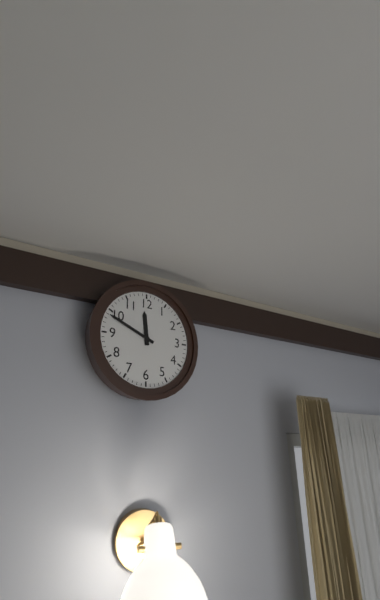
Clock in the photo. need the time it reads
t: 11:49
